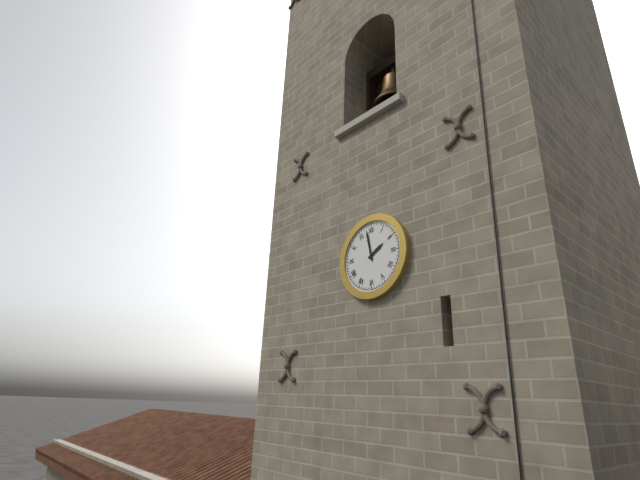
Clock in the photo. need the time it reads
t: 1:58
